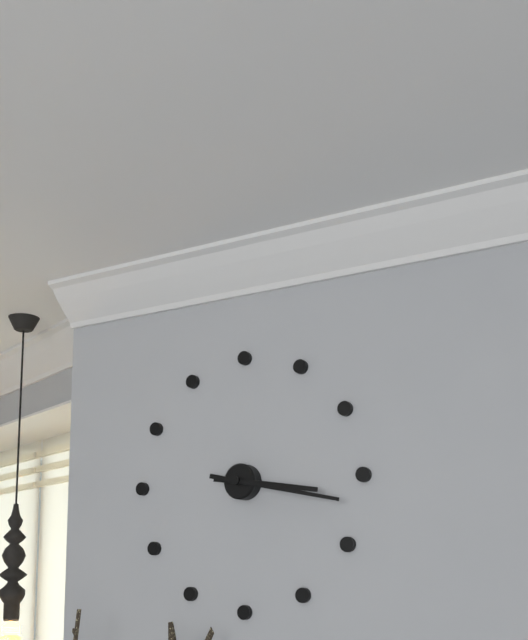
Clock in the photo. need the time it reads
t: 3:17
